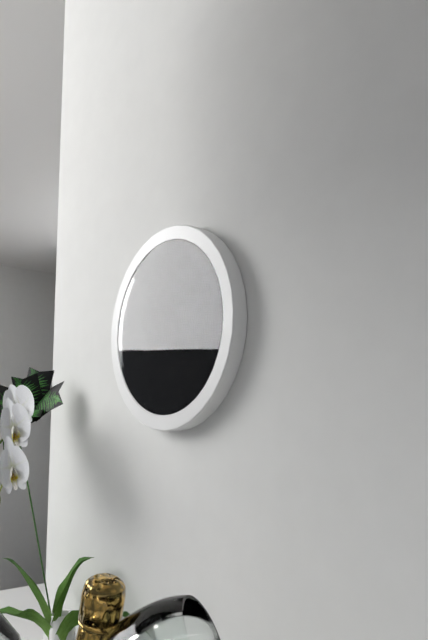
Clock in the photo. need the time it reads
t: 1:13
